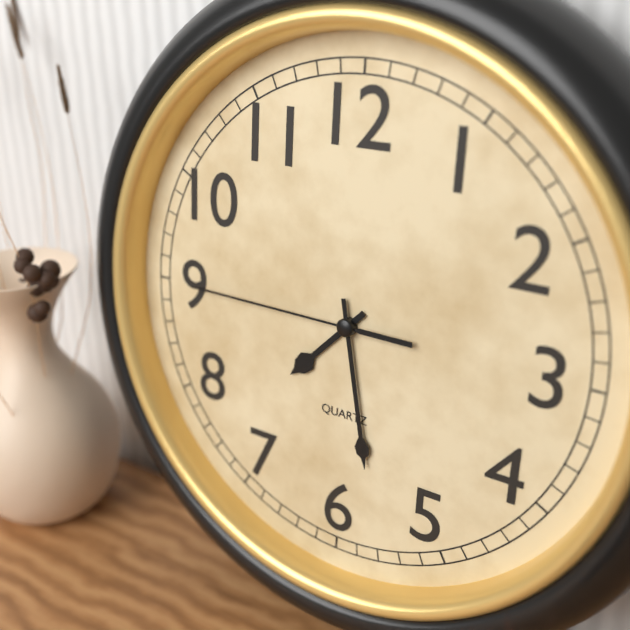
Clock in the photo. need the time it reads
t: 7:28:45
